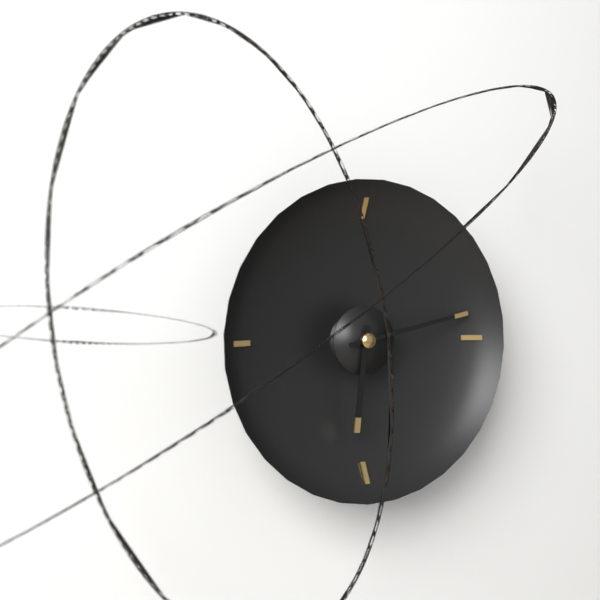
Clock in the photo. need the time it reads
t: 6:13
